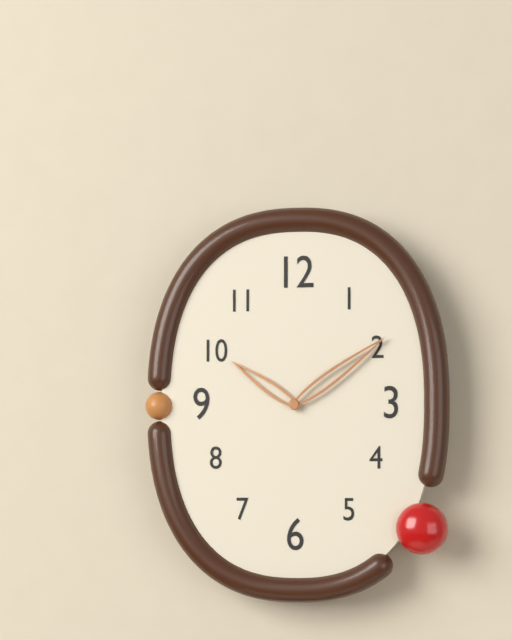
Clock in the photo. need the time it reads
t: 10:09
